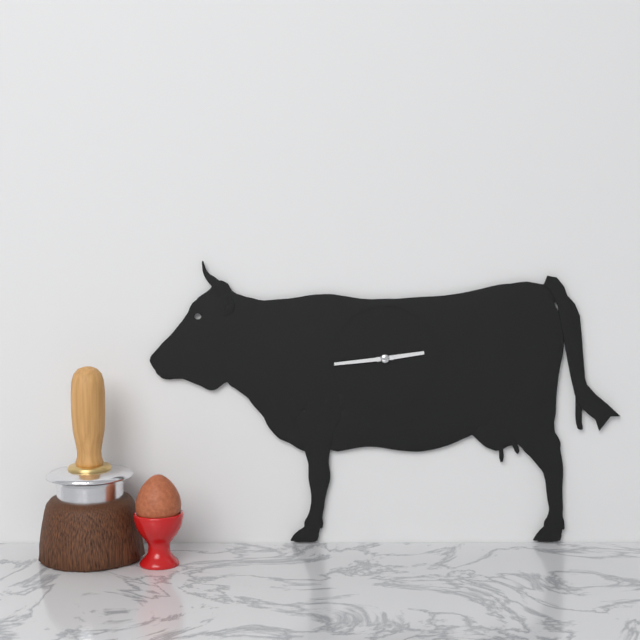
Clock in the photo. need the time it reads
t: 2:44
